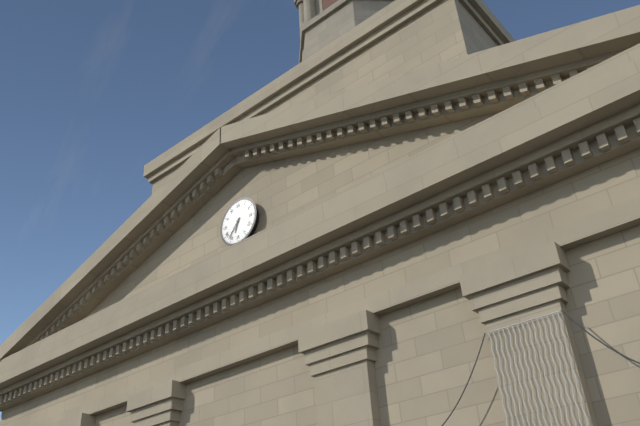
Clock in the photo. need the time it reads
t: 6:37
